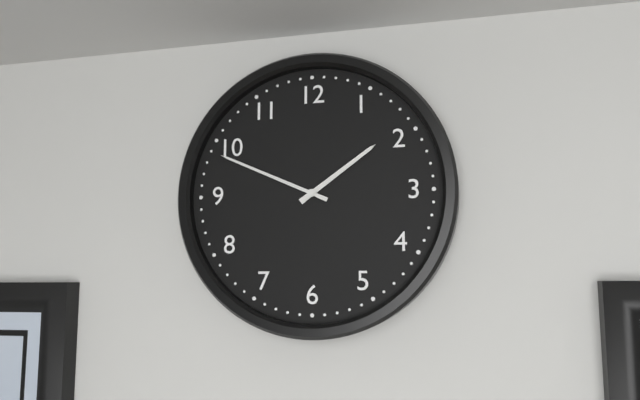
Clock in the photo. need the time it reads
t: 1:49
